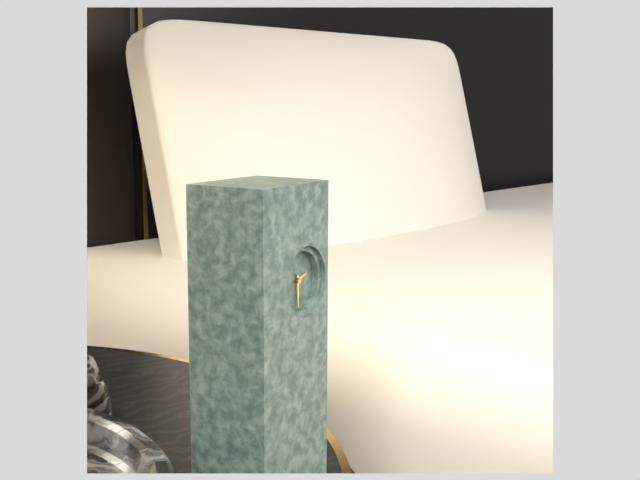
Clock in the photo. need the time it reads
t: 2:30
